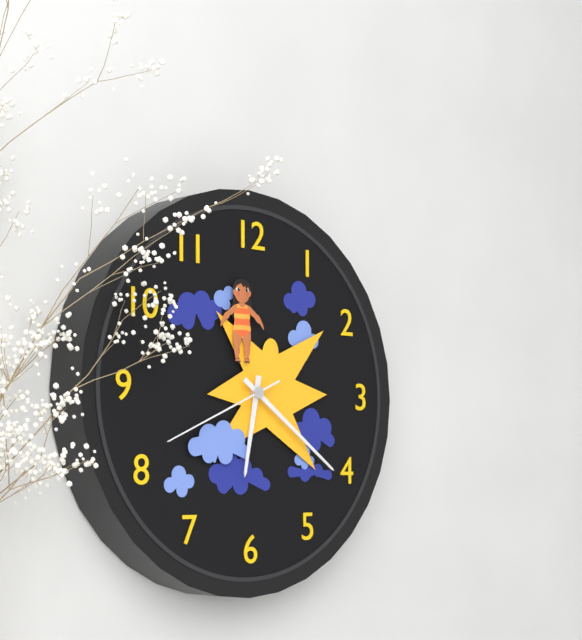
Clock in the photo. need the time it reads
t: 6:21:41
